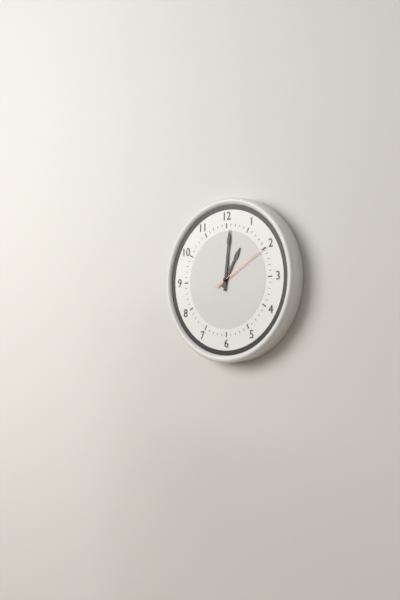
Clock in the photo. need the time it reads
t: 1:01:10
